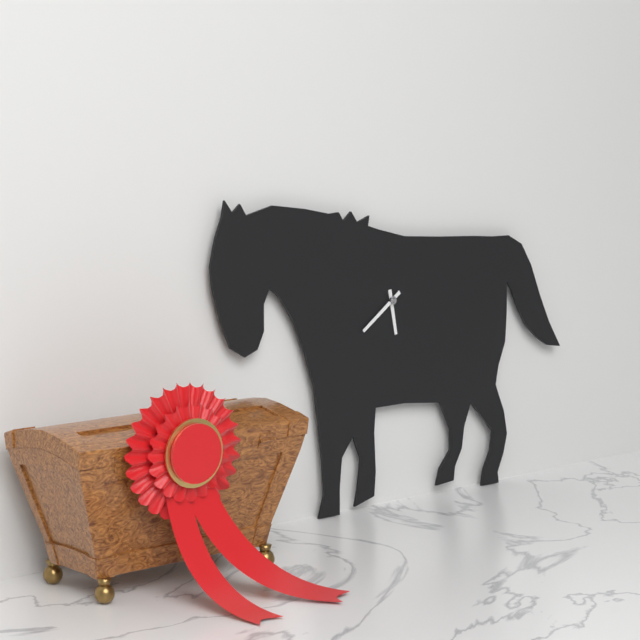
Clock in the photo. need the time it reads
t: 5:39
